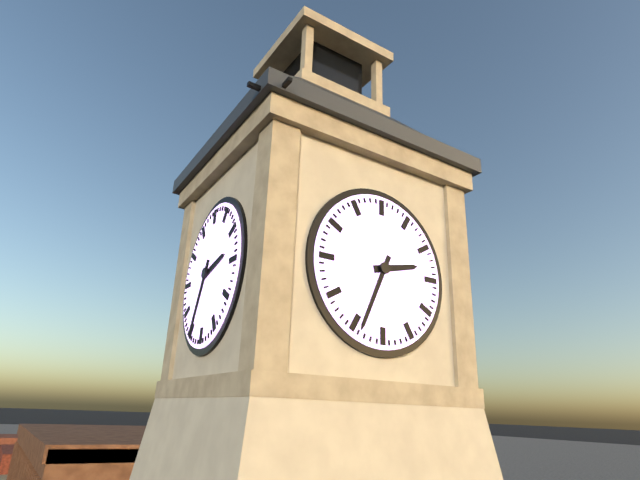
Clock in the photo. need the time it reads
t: 2:34
